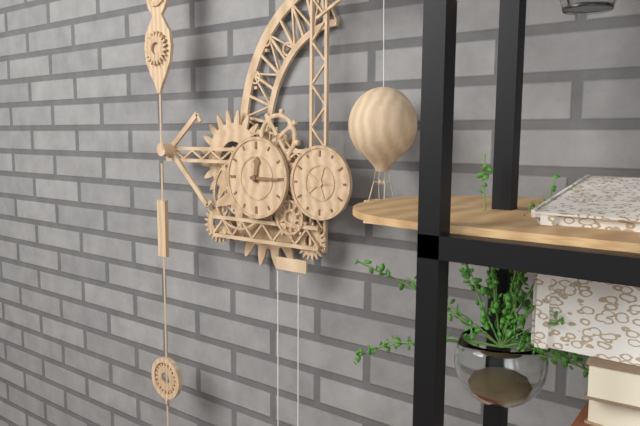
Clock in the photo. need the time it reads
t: 12:15
